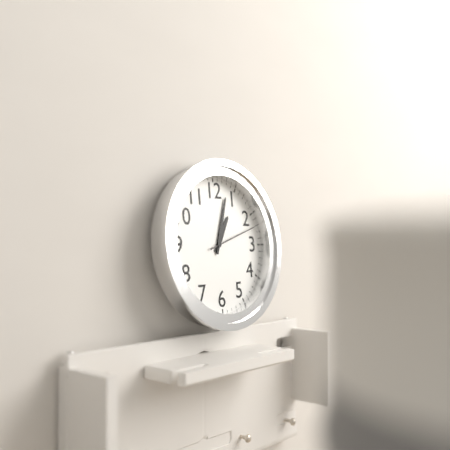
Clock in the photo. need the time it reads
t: 1:03
